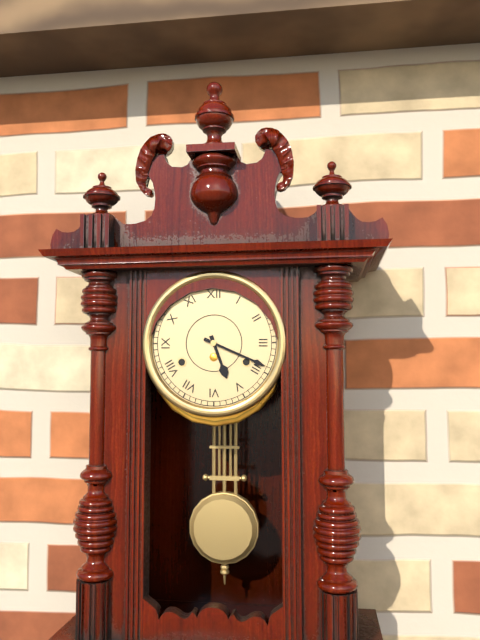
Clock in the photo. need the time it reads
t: 5:19
